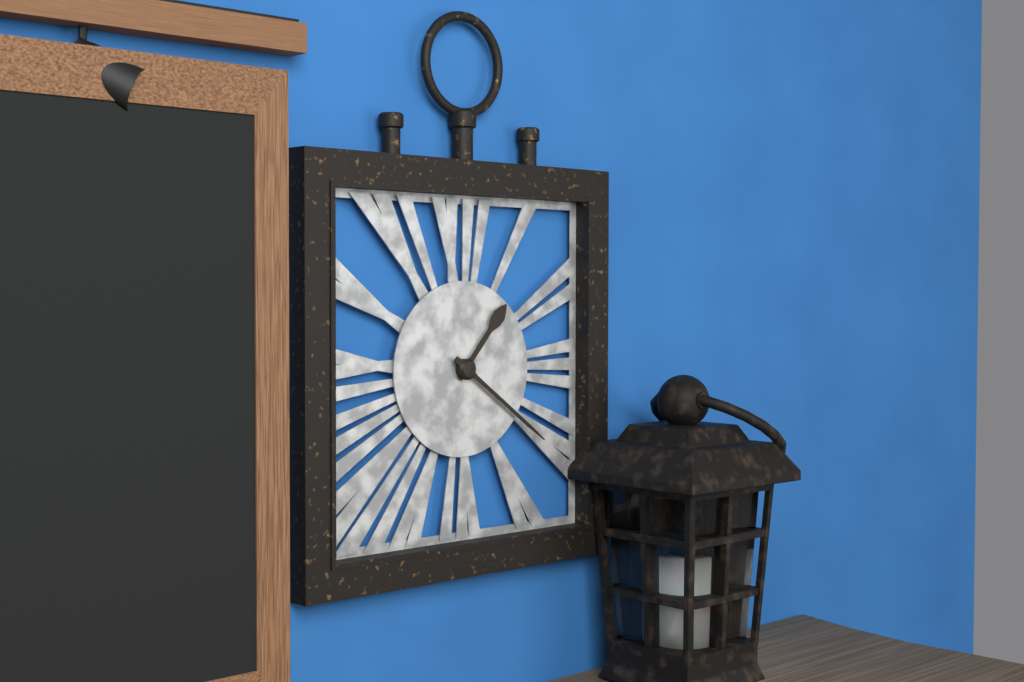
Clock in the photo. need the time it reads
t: 1:21
